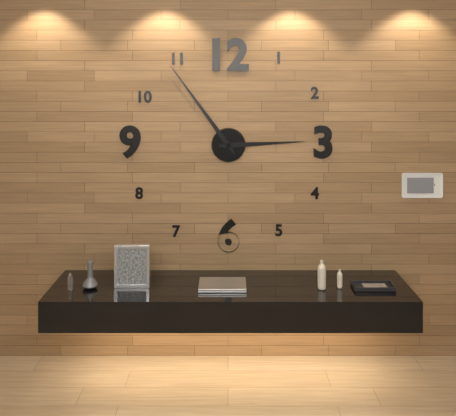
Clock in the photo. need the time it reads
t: 2:54
